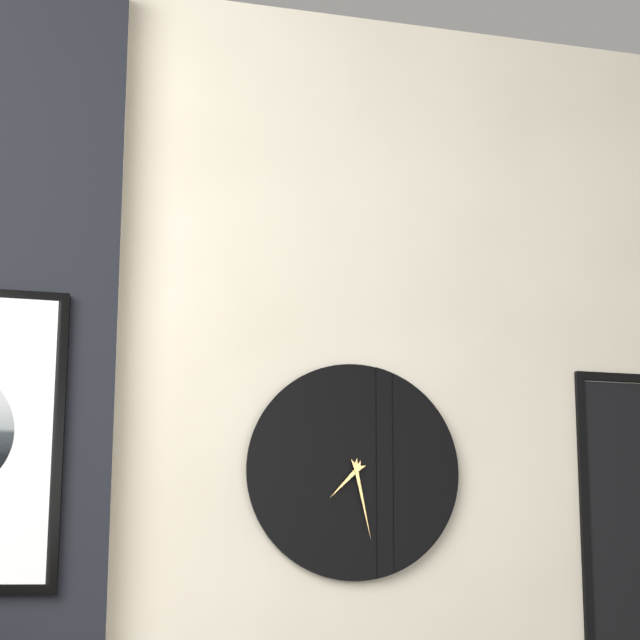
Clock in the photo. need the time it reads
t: 7:28
